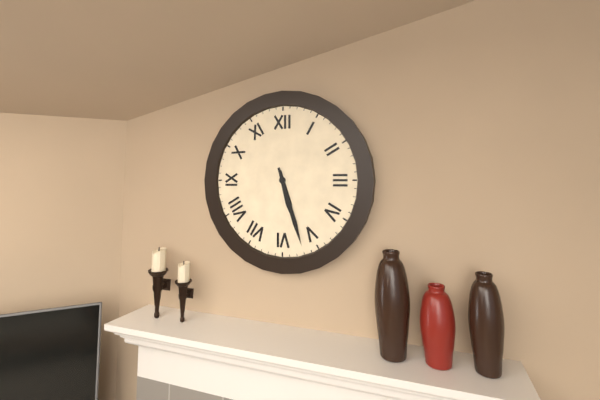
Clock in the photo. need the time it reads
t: 5:27
